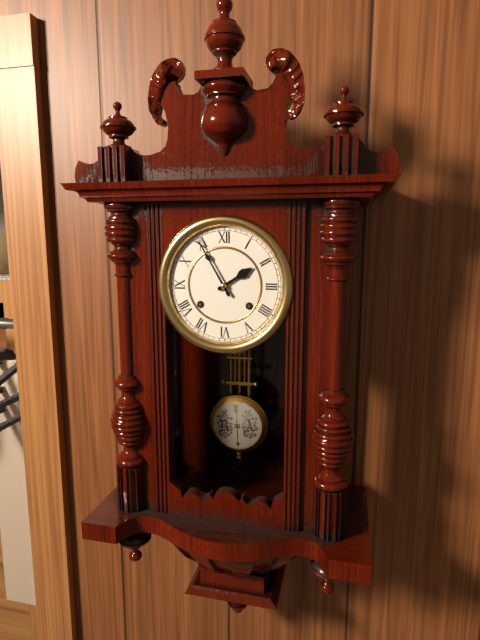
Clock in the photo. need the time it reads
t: 1:55
